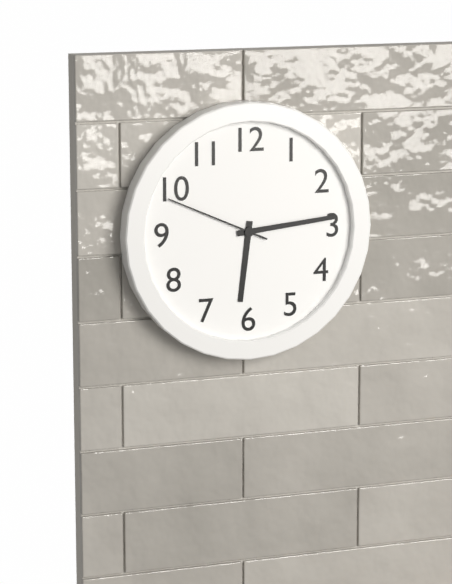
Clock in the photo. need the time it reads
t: 6:14:49
